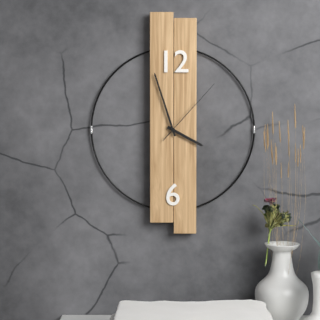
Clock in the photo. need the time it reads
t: 3:57:07
